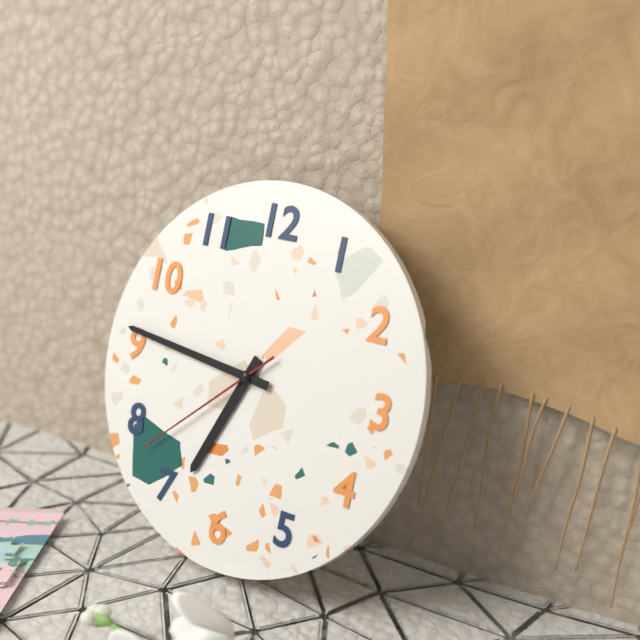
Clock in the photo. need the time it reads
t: 6:46:38
